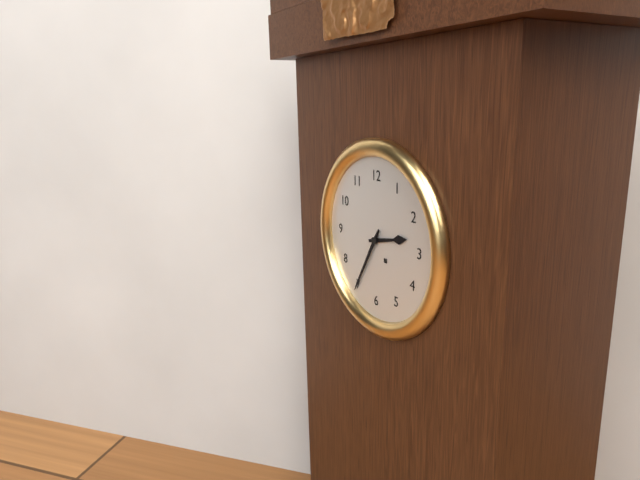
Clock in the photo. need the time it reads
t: 2:35
